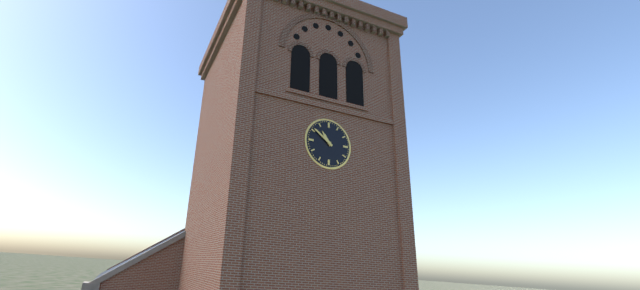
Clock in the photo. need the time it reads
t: 10:51
